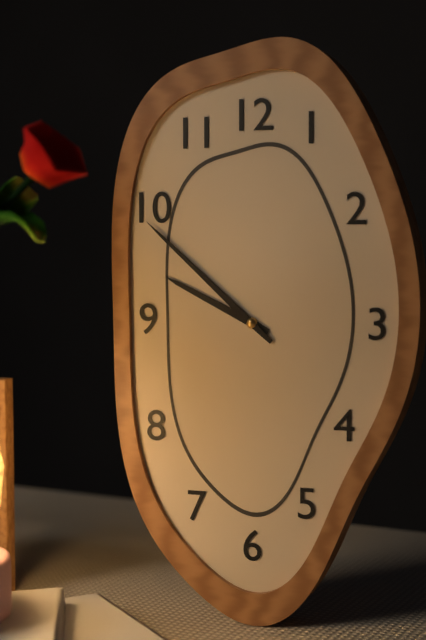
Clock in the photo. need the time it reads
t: 9:52
